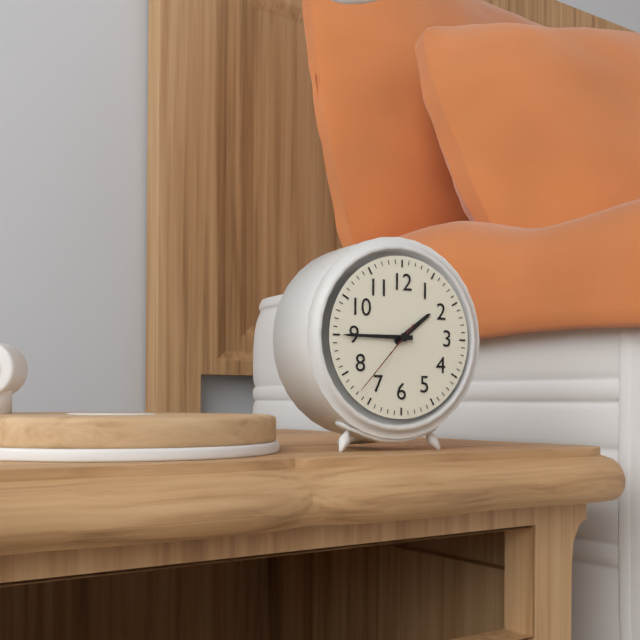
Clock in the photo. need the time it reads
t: 1:45:37
